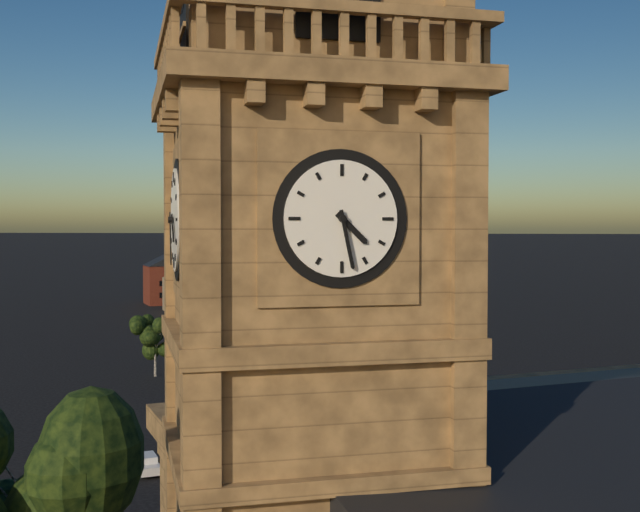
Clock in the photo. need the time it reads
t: 4:28
